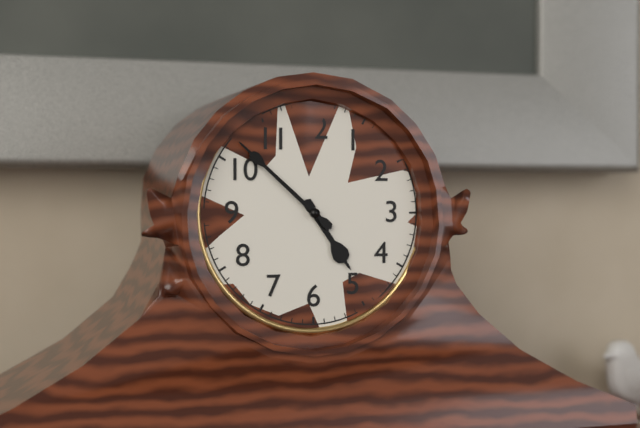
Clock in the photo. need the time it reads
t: 4:52
